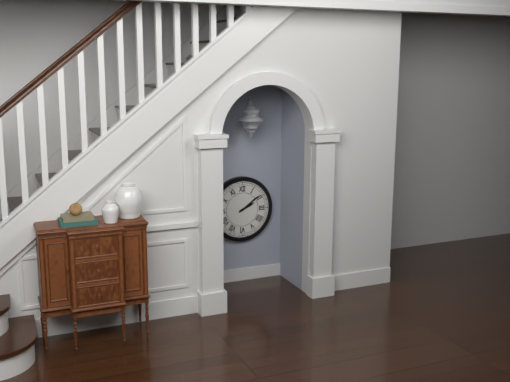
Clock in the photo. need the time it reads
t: 2:09
